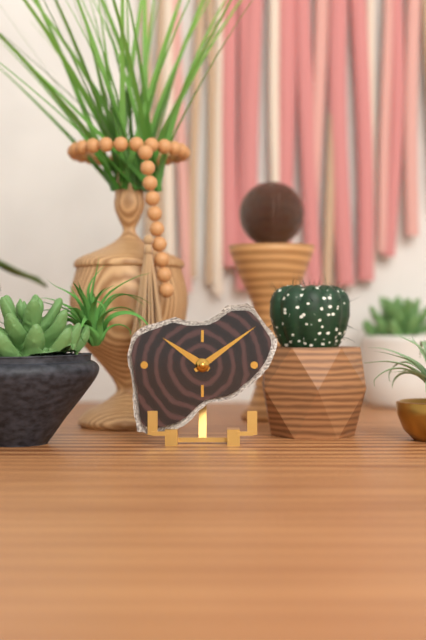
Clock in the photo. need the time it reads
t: 10:09
